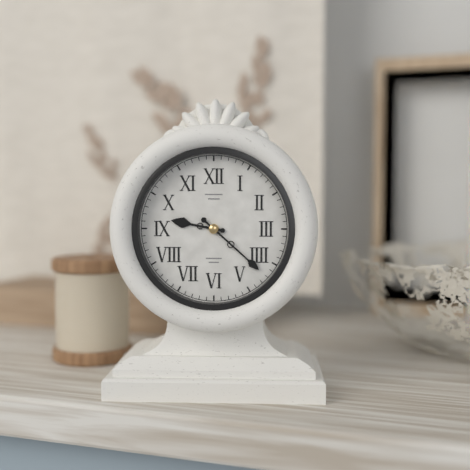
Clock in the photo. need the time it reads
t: 9:22
